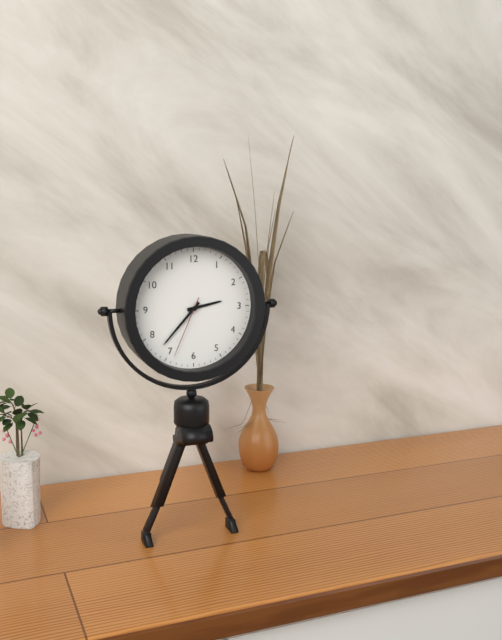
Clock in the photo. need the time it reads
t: 2:37:34
